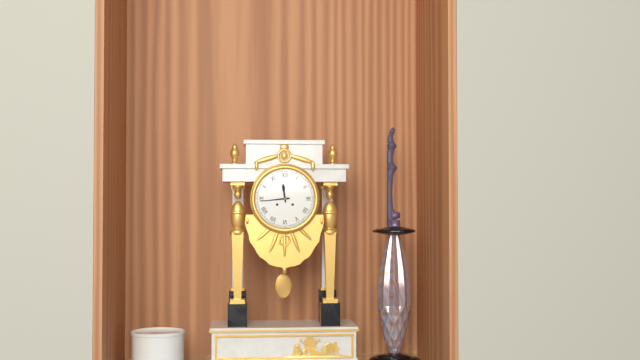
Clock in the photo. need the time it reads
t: 11:44
